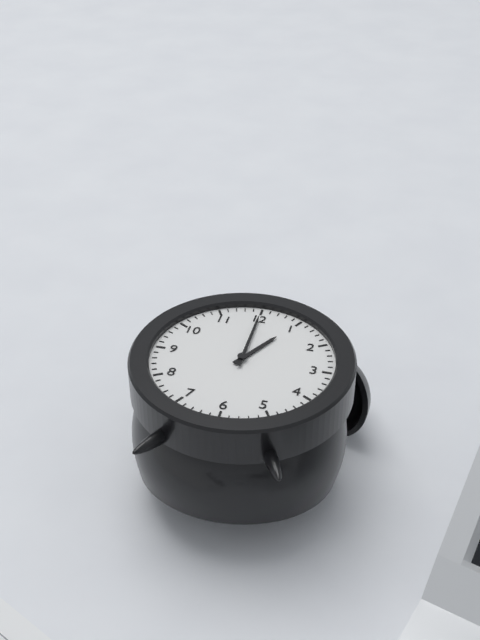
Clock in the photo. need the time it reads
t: 1:00
